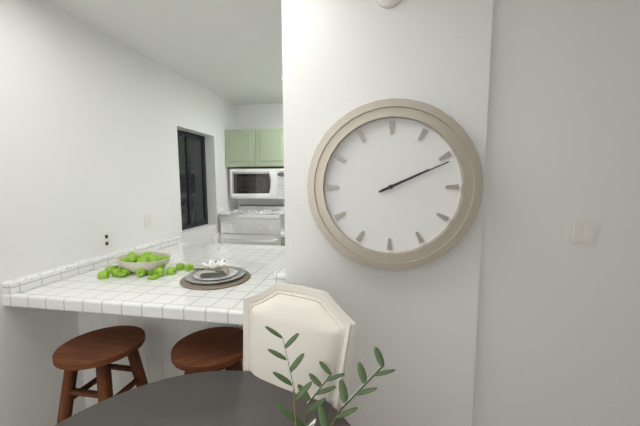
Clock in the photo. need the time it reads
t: 2:11
